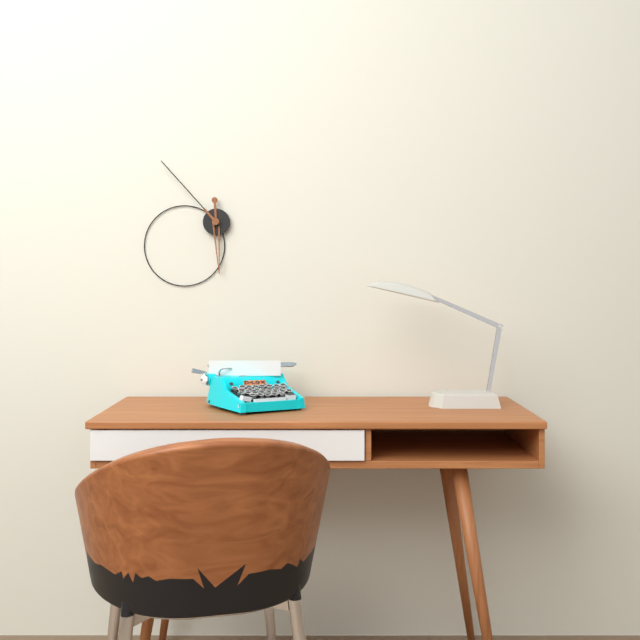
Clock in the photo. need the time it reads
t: 5:53
